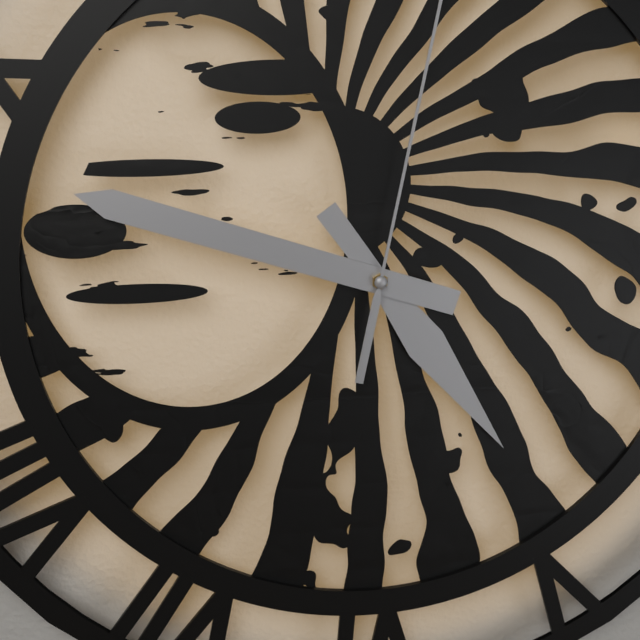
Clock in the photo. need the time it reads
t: 4:48
